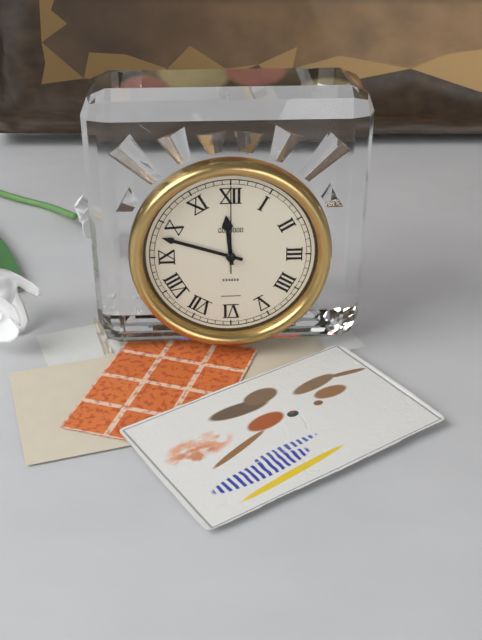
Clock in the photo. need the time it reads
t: 11:48:00
